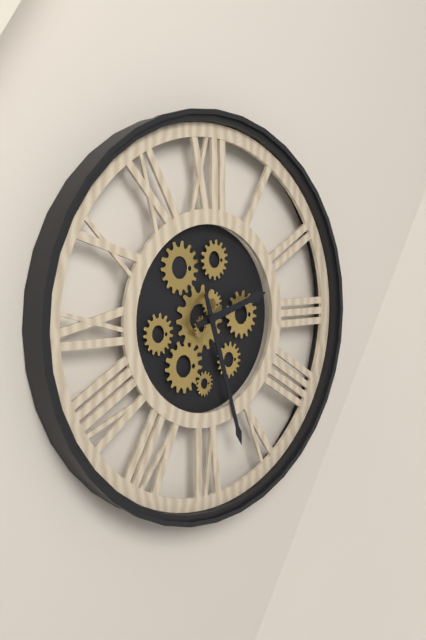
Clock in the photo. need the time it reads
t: 2:27
